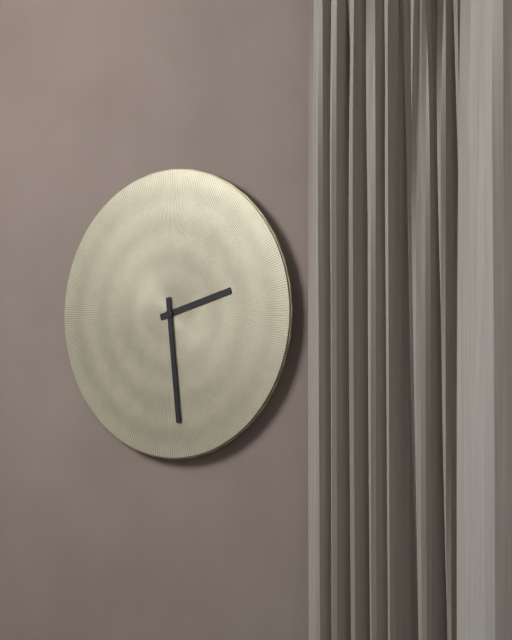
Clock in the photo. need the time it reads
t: 2:29
